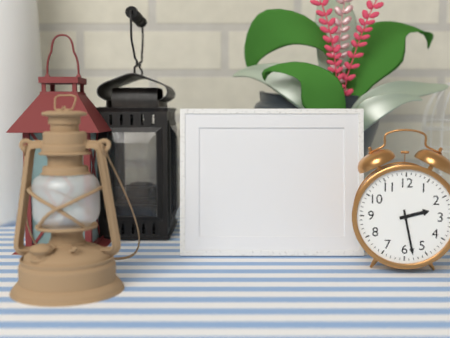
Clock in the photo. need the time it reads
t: 2:28
